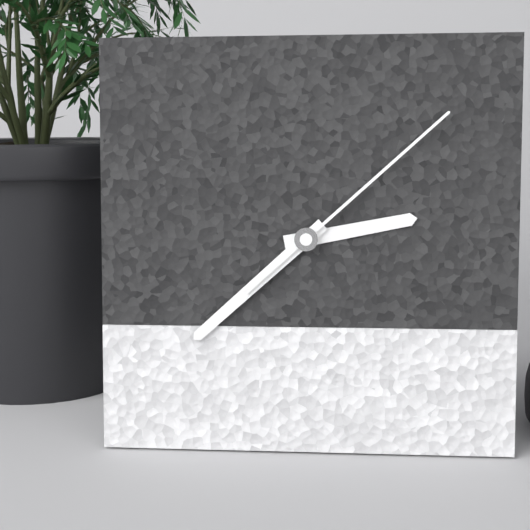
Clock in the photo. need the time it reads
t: 2:38:08
